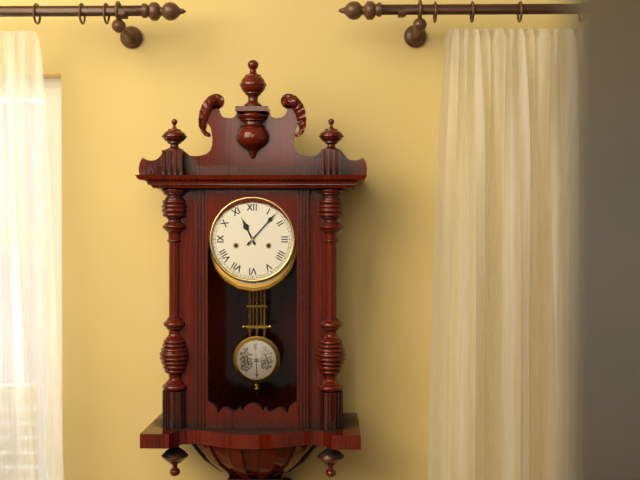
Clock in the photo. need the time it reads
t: 11:07
